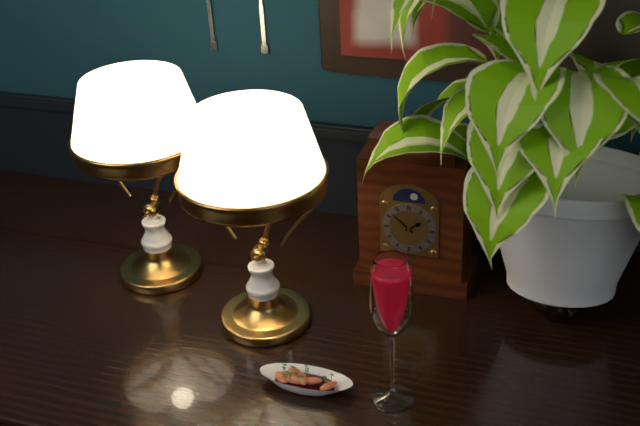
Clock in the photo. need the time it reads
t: 1:52
